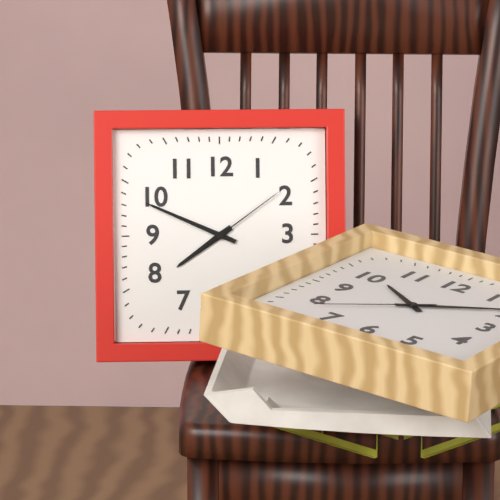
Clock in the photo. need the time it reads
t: 7:49:09
